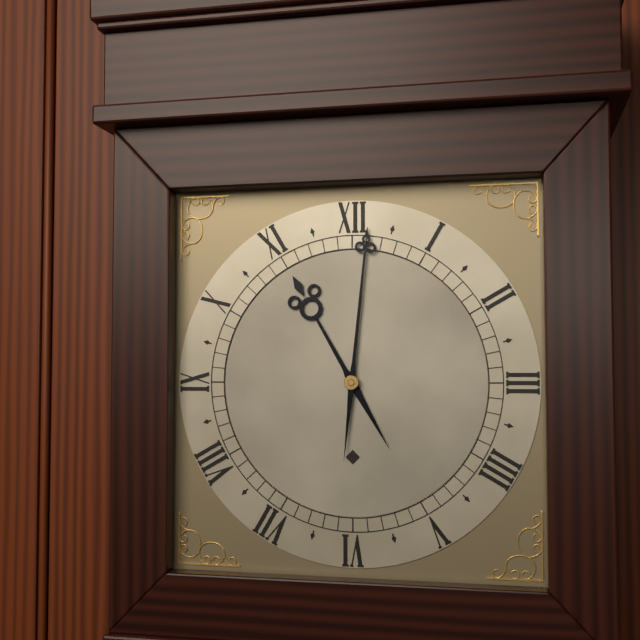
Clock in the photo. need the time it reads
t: 11:01
